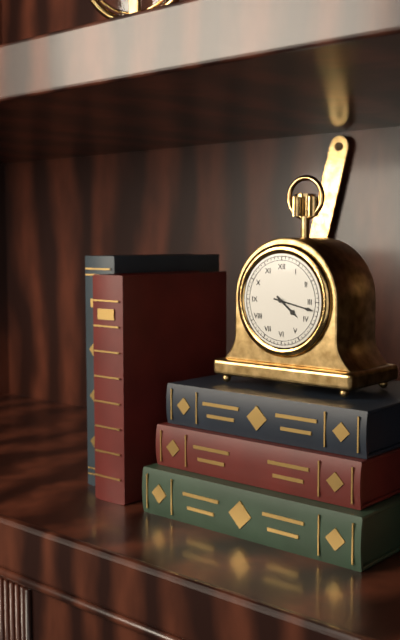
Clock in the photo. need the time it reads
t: 4:17
